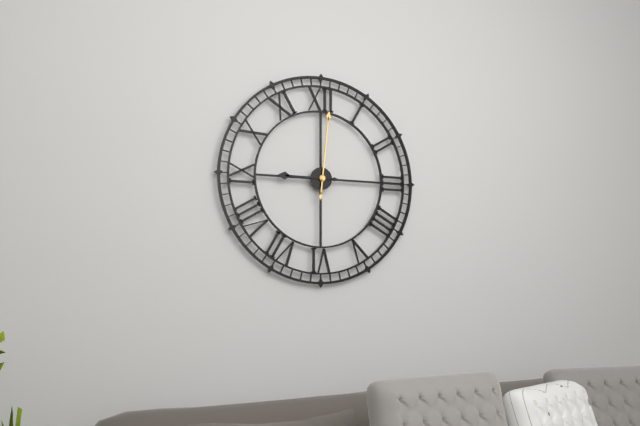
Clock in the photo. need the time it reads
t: 9:01
